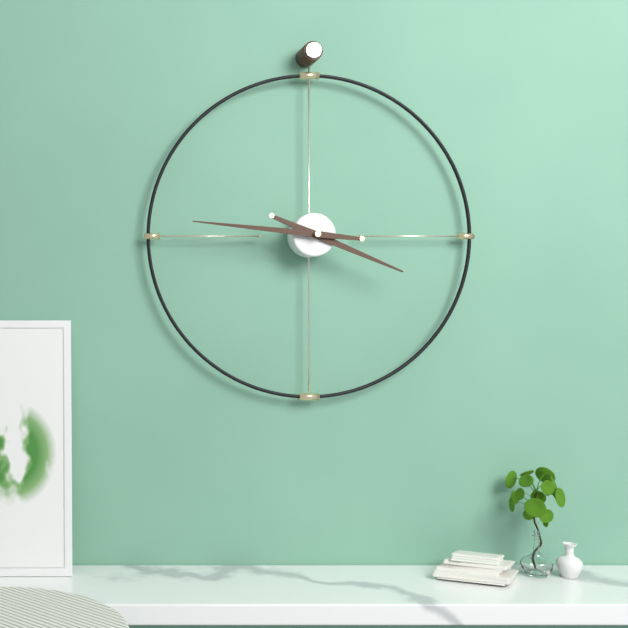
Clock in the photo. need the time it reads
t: 3:46
